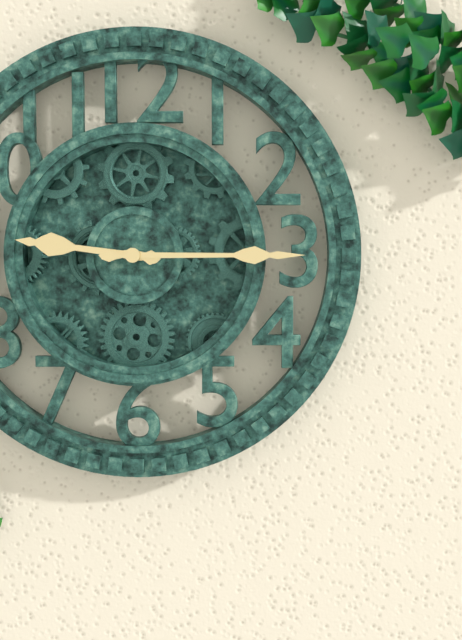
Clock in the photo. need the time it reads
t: 9:15
